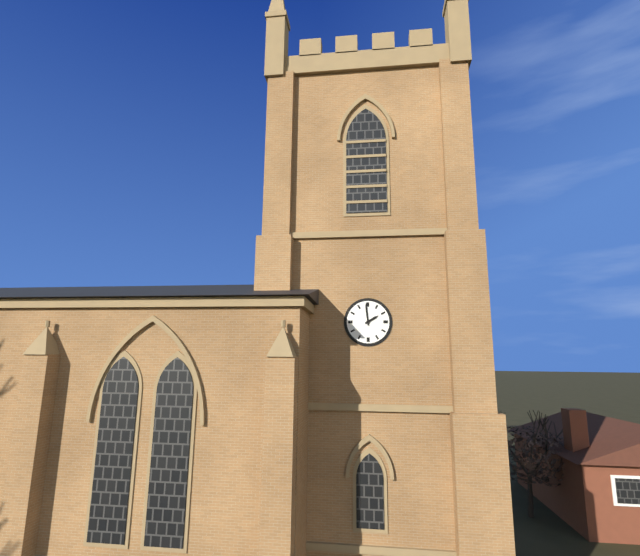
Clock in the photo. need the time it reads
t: 1:59
